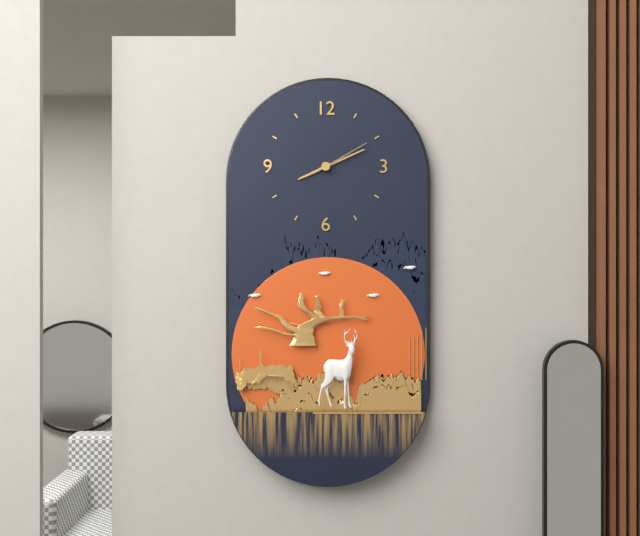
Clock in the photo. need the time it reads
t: 8:11:10
